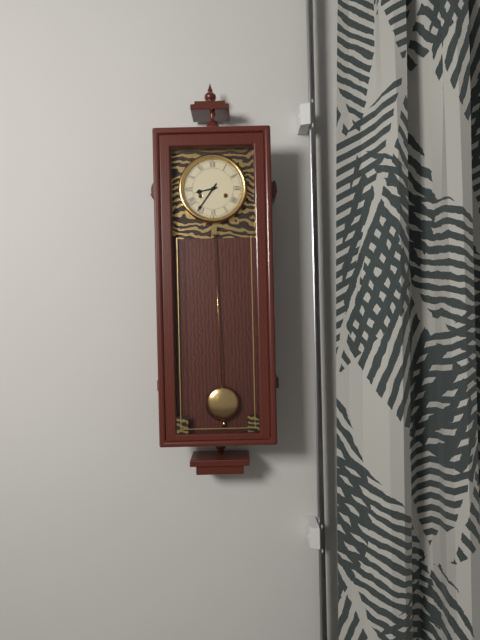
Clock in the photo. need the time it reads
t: 8:36
